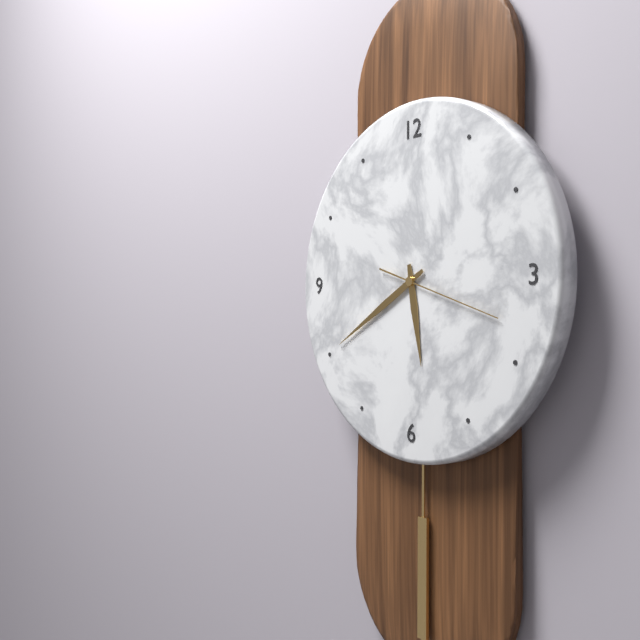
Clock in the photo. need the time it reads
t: 5:40:18
